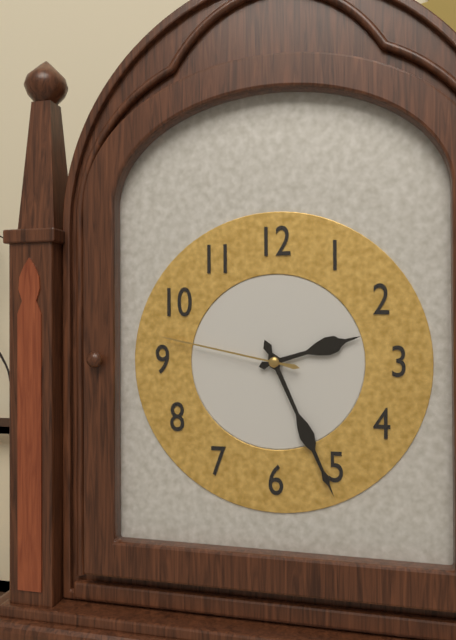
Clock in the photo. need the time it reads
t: 2:26:47
